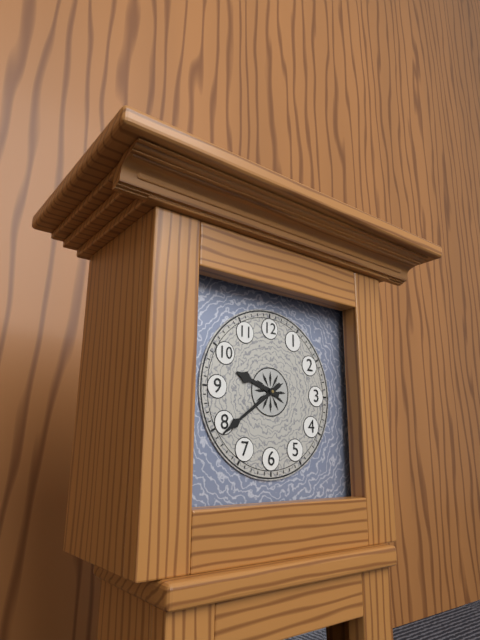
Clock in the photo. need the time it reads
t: 9:39
